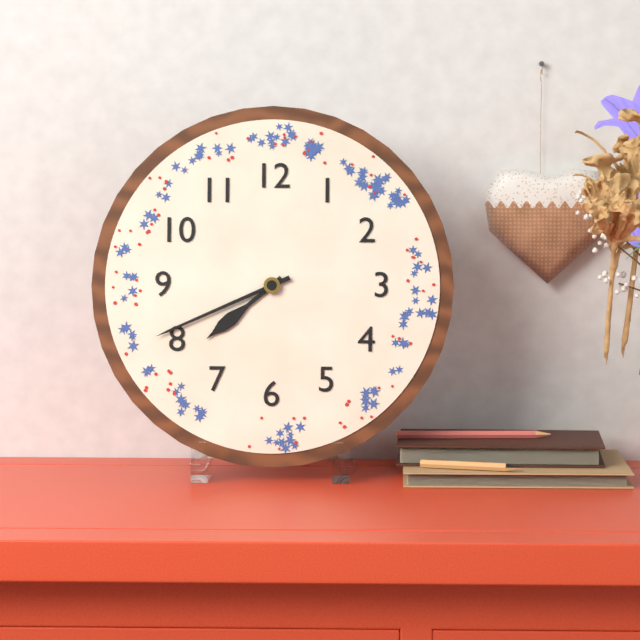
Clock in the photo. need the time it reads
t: 7:41
